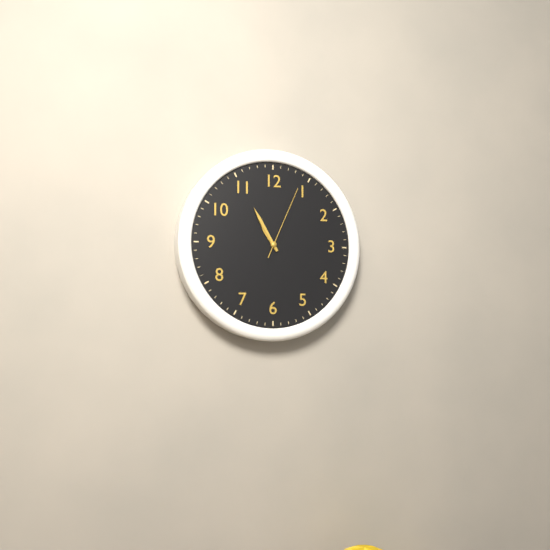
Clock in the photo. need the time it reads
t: 10:55:04
